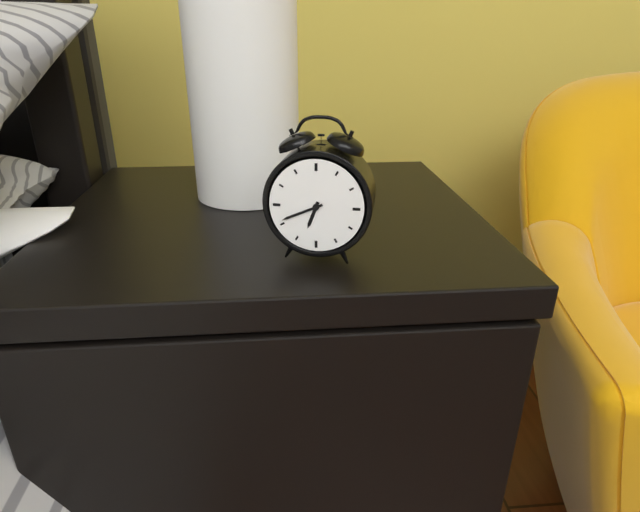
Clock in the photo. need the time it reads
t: 6:41
